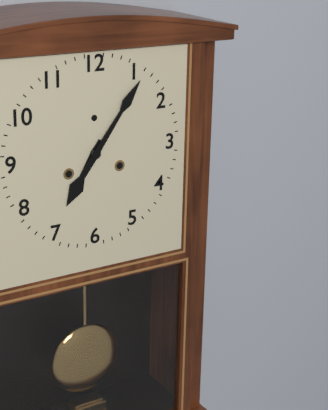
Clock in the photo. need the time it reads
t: 7:06
